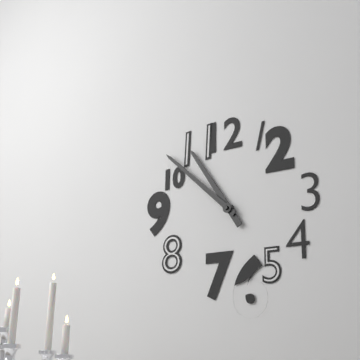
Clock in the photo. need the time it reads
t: 10:52
